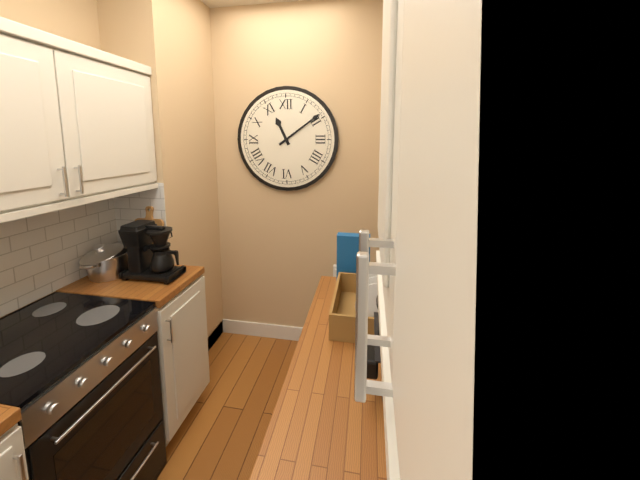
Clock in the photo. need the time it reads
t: 11:09
